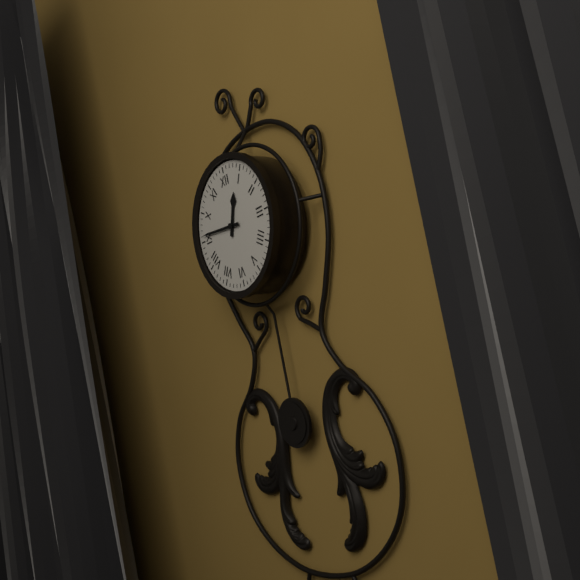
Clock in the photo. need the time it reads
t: 12:46
